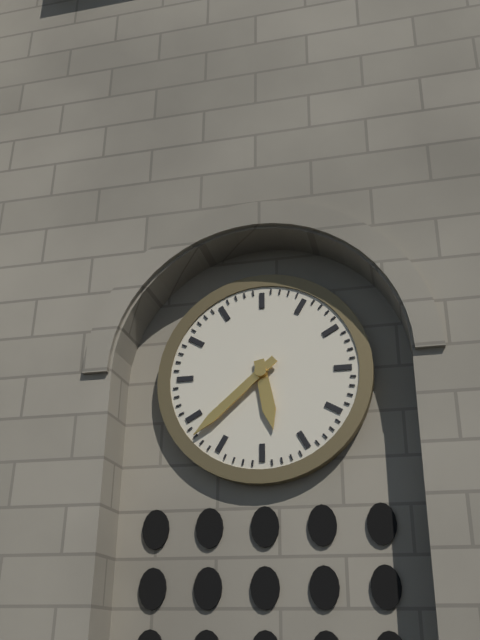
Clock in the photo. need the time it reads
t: 5:38
